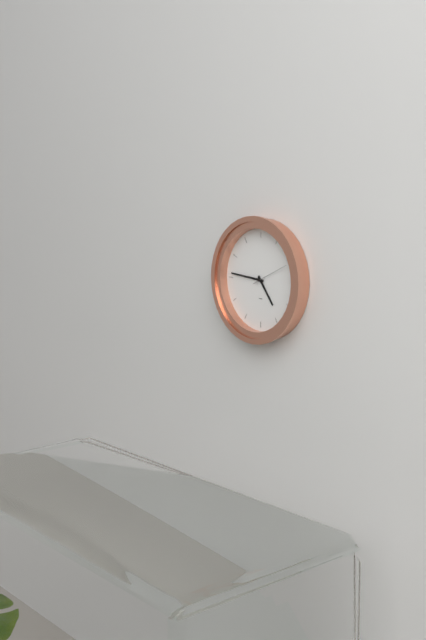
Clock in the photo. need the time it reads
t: 4:46
